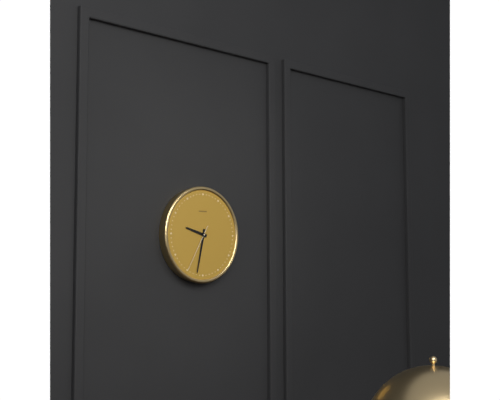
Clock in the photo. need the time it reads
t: 9:32
